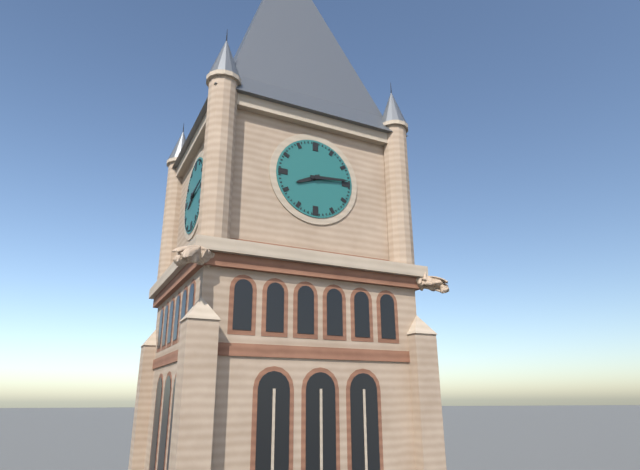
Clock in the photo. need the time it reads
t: 8:14
